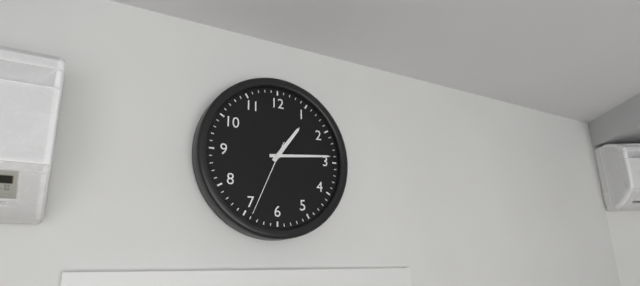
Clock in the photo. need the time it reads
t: 1:14:34
